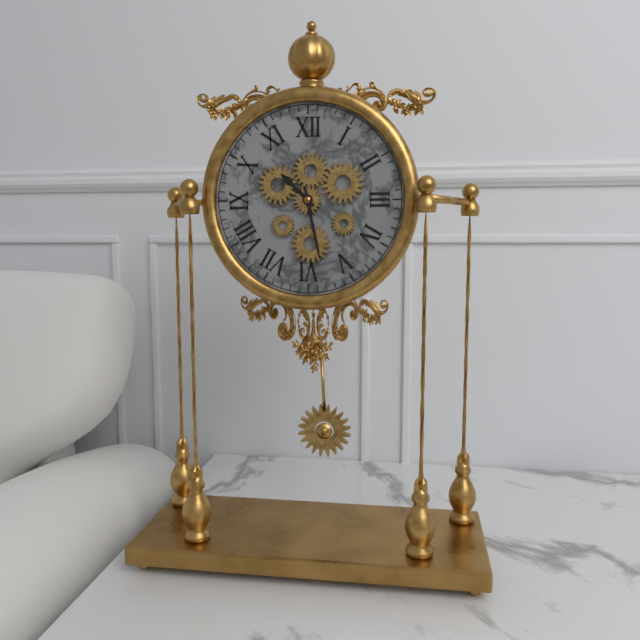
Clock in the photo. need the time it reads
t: 10:28
